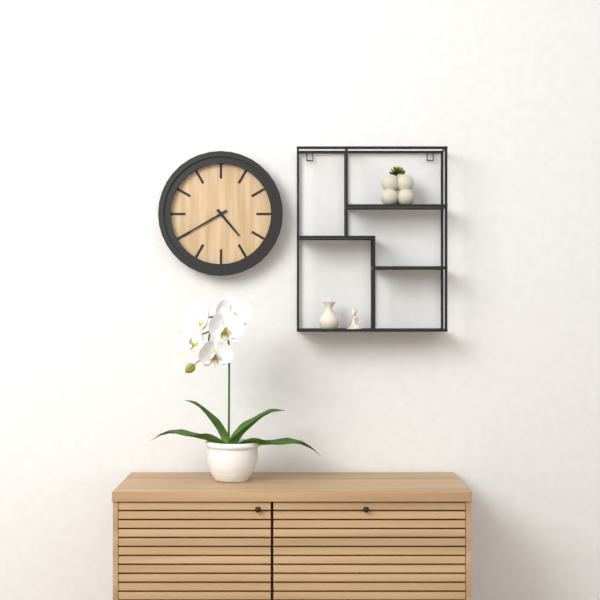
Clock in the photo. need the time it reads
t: 4:40
